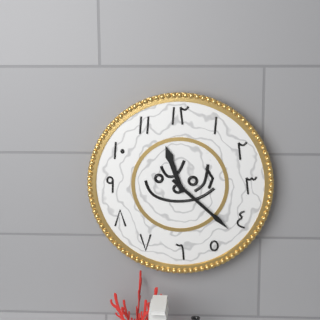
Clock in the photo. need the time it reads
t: 11:22
